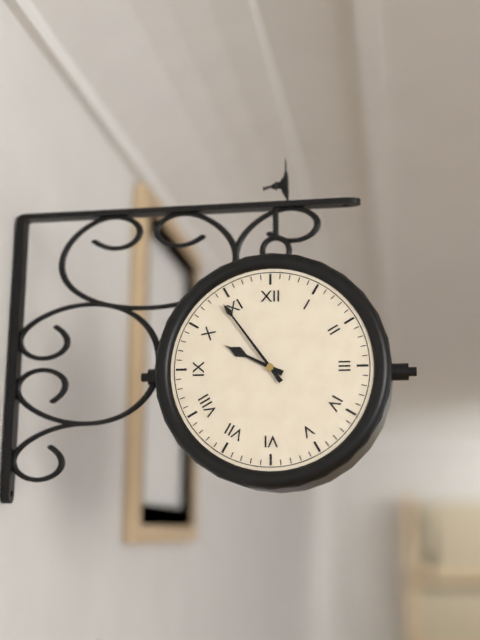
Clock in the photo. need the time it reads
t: 9:54
